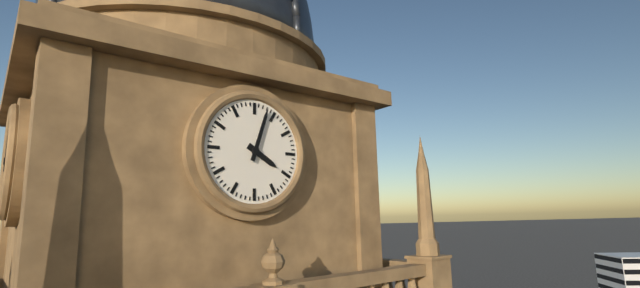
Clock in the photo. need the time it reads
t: 4:03
